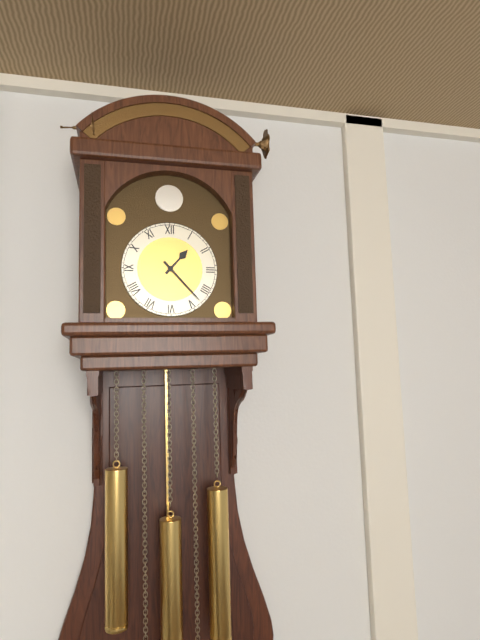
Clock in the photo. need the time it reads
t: 1:23
